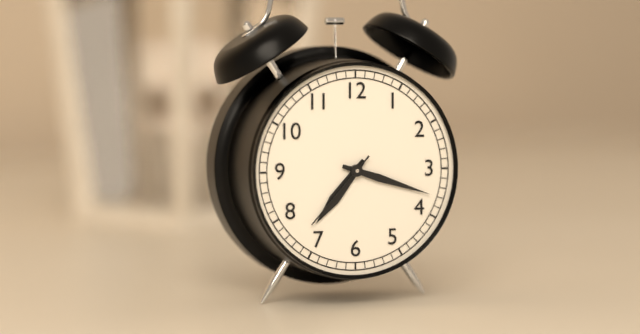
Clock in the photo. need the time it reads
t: 7:18:37
